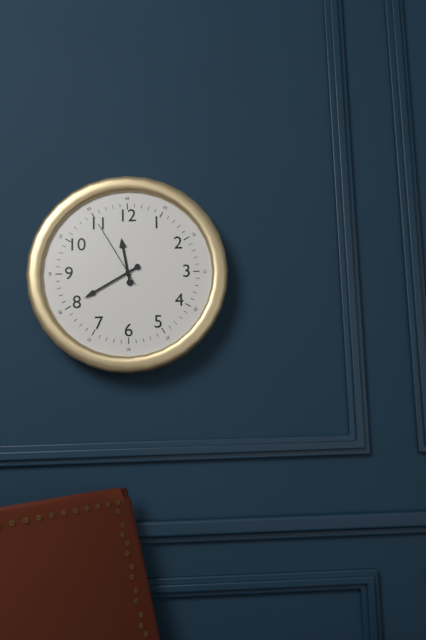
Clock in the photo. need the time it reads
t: 11:40:55
